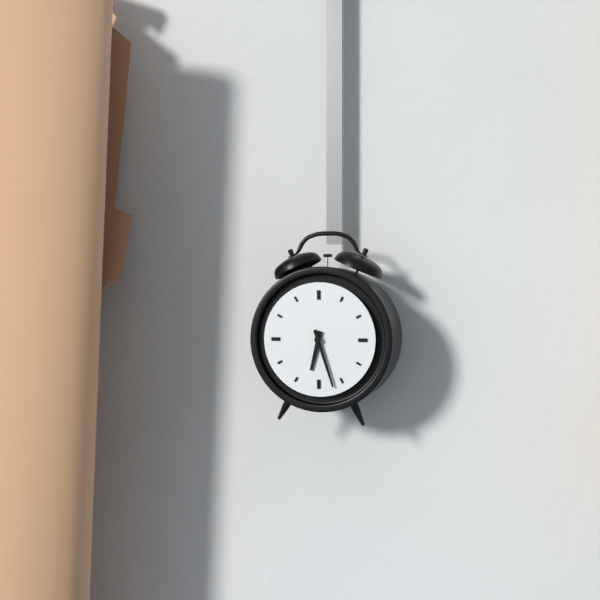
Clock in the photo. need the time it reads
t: 6:27
